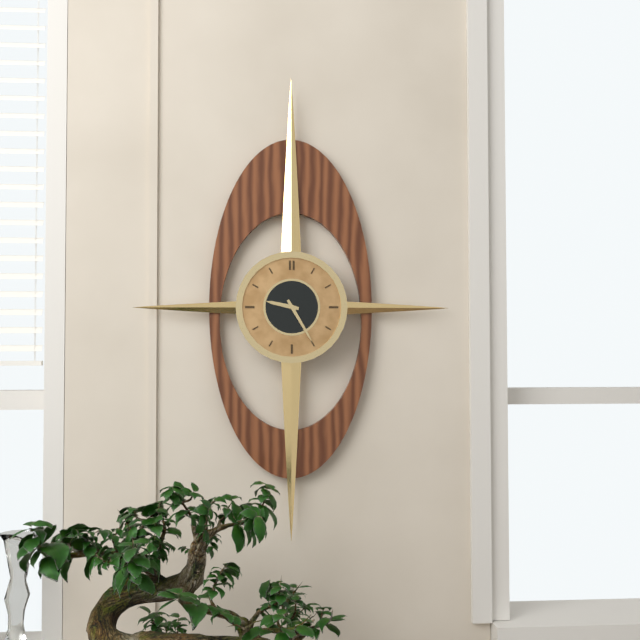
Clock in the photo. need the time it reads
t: 9:25
